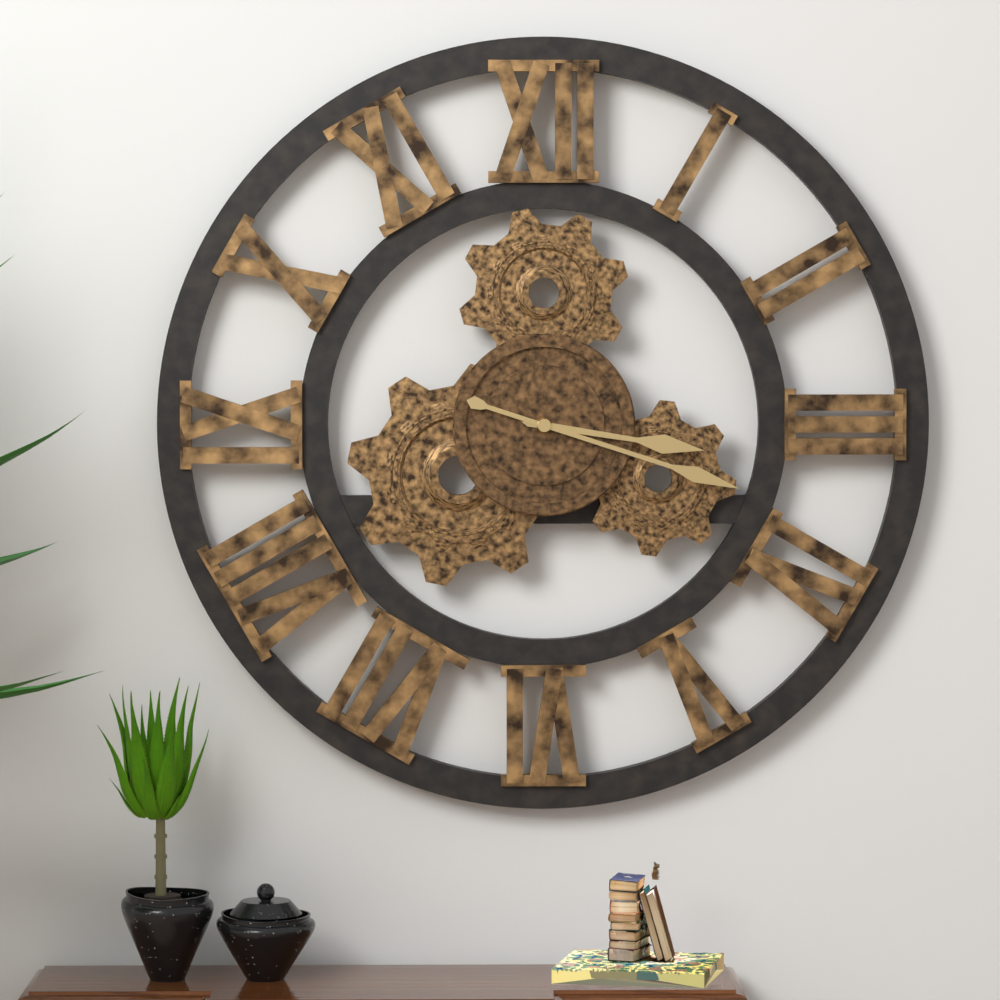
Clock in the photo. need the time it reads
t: 3:18
